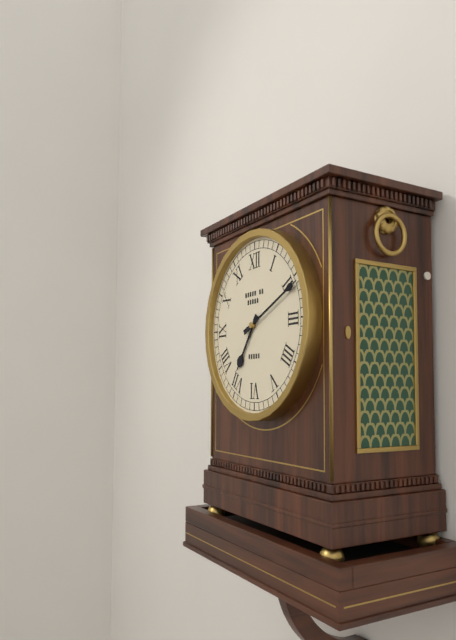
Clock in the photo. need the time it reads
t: 7:11
